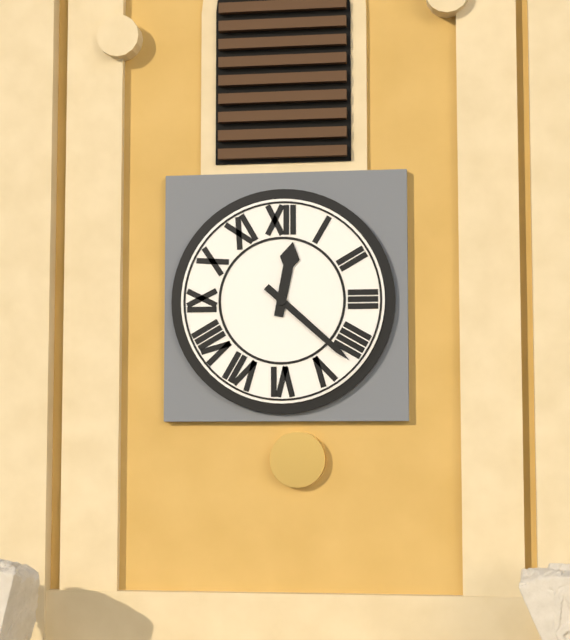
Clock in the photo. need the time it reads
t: 12:22
